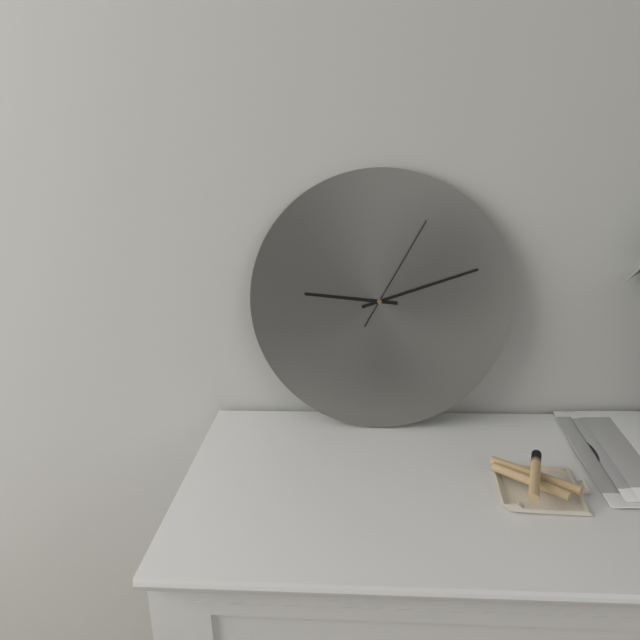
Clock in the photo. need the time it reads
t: 9:12:05
